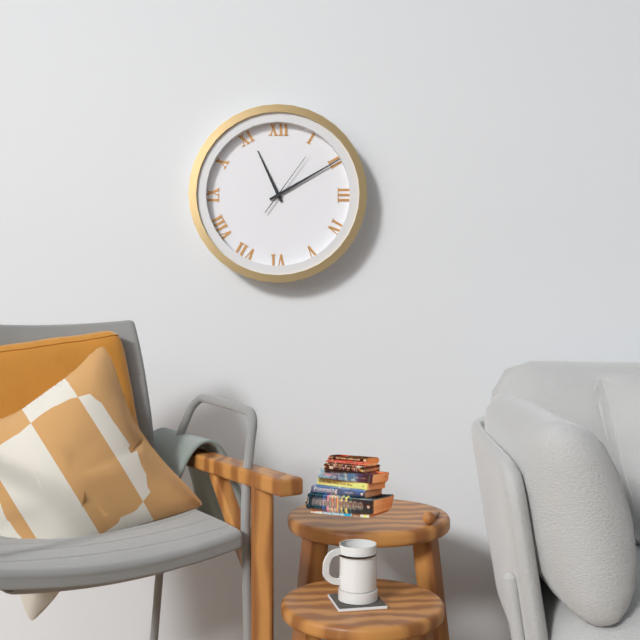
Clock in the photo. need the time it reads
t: 11:10:06
